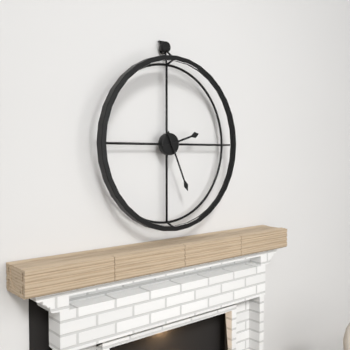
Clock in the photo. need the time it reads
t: 2:26
